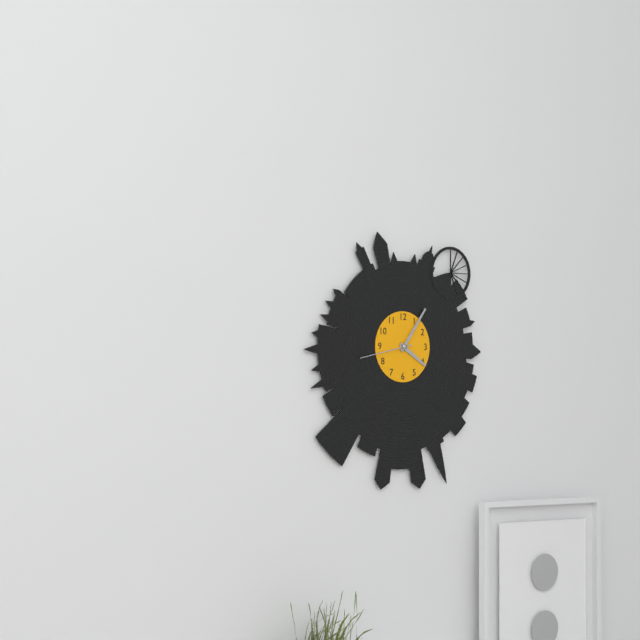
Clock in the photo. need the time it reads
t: 4:06:43
